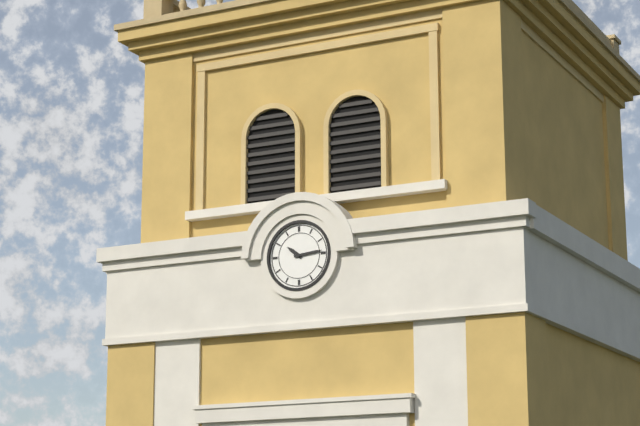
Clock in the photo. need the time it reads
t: 10:14
